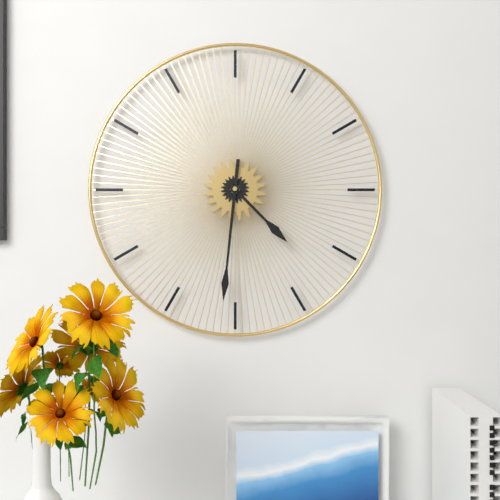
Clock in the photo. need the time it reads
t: 4:31
